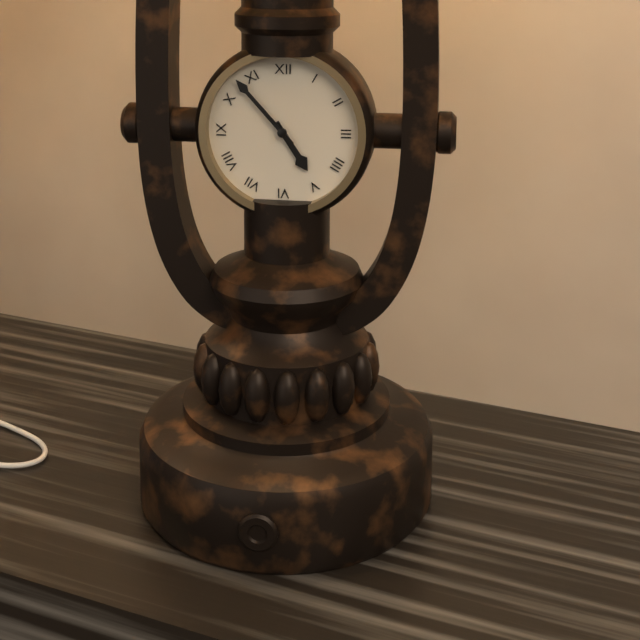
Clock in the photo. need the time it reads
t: 4:53
